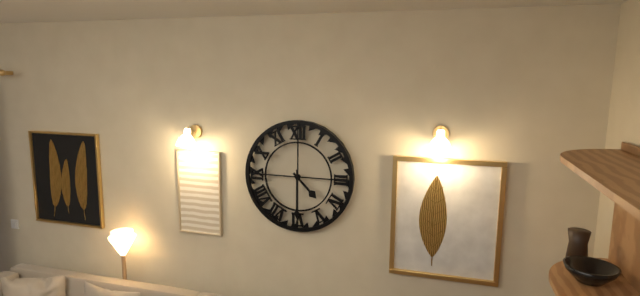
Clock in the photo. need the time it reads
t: 4:30
